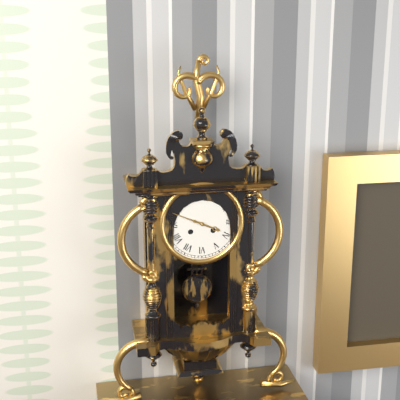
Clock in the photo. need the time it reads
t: 3:49
